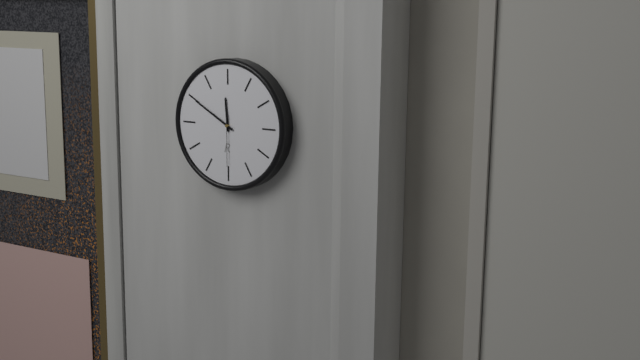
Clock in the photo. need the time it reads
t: 11:50:30
